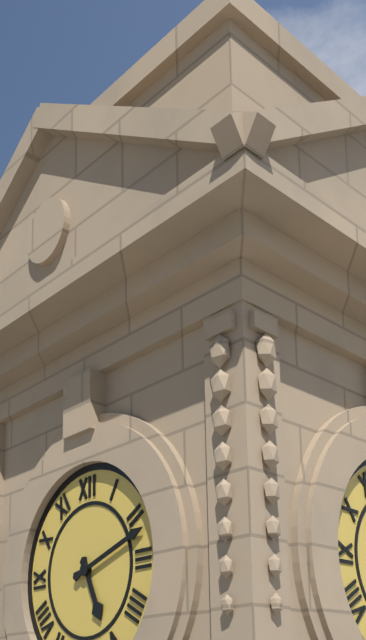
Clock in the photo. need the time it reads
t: 5:12
